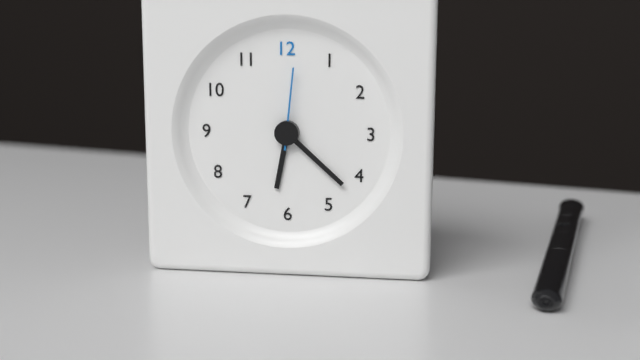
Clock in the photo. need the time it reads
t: 6:22:01
